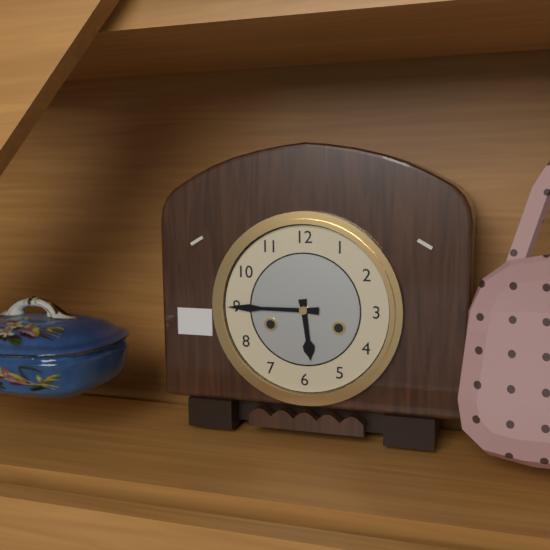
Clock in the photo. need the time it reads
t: 5:45
